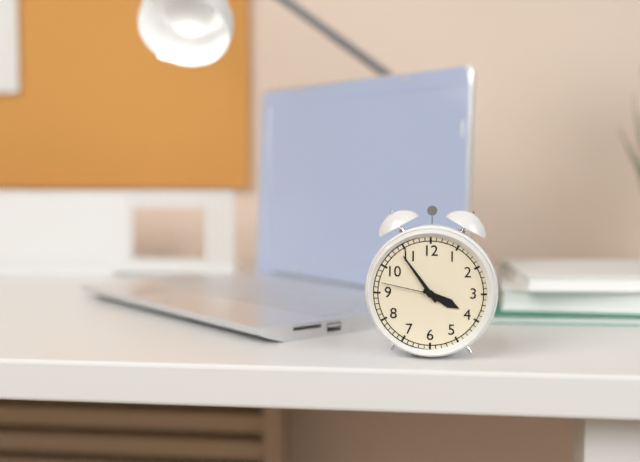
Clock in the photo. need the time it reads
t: 3:54:47
